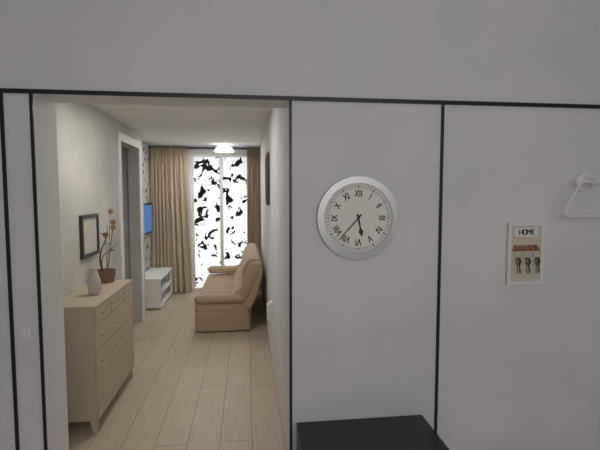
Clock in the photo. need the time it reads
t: 5:37
